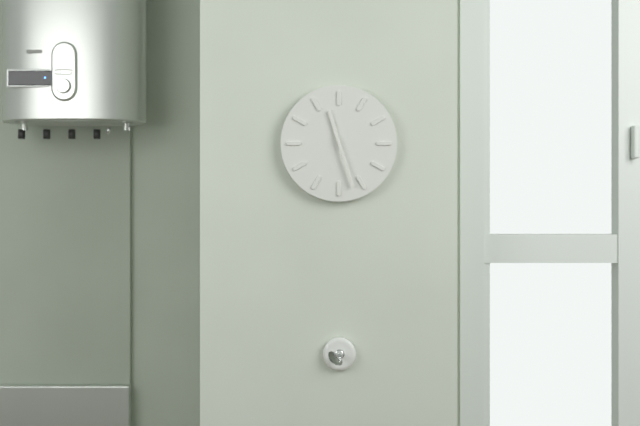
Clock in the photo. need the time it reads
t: 11:27
